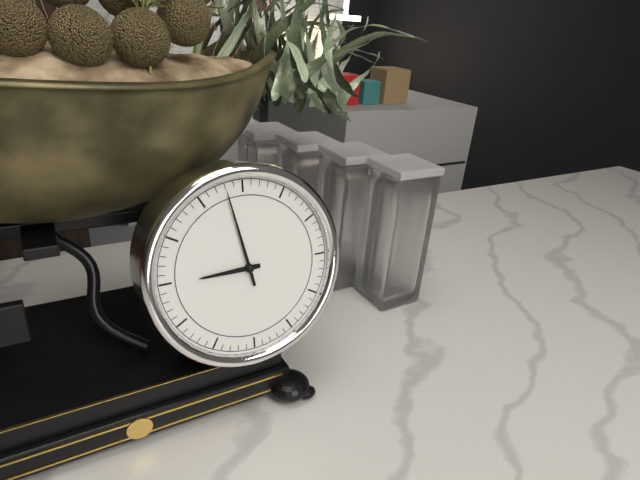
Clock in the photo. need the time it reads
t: 8:58
